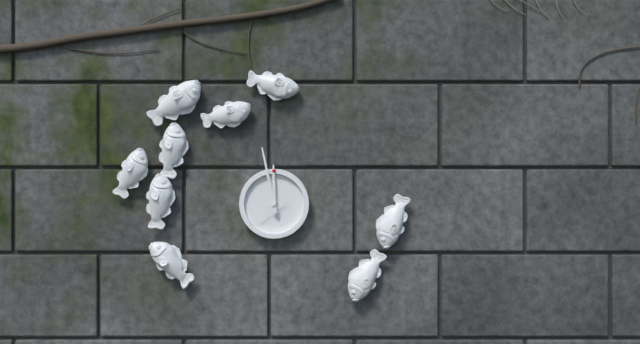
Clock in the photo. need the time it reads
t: 11:58
